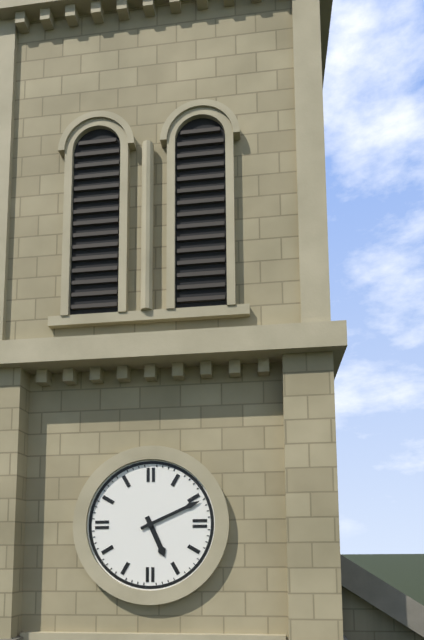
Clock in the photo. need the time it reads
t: 5:11
